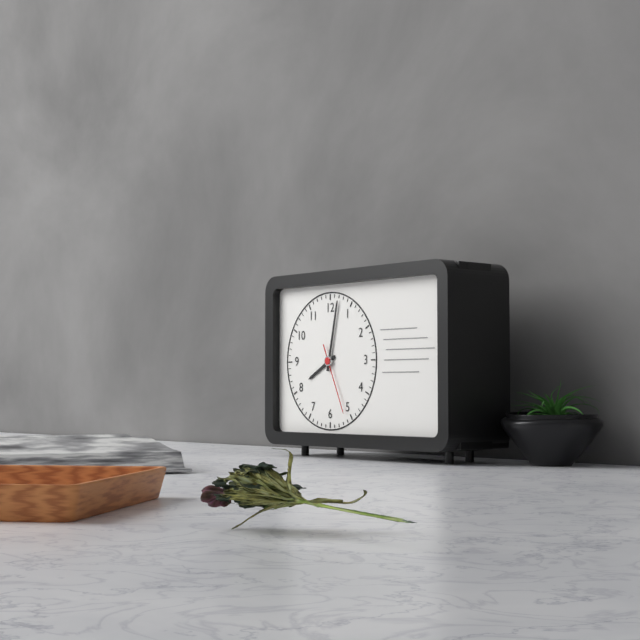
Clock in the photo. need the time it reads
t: 8:02:26
